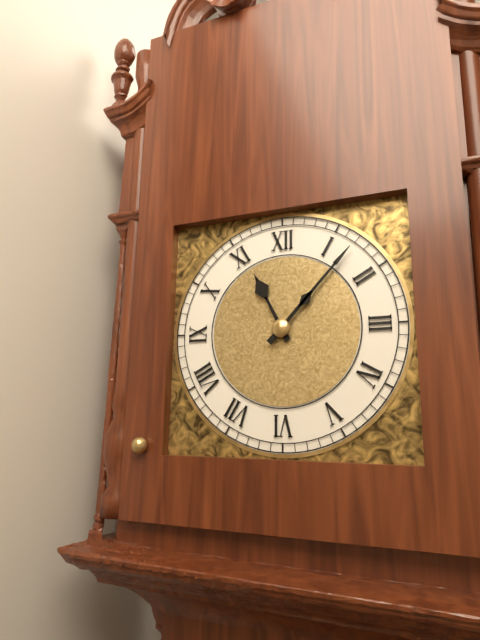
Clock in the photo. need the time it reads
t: 11:07
